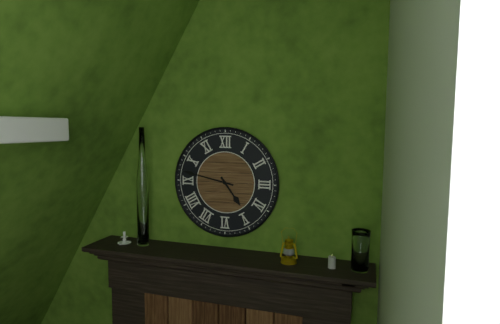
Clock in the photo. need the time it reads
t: 4:47
